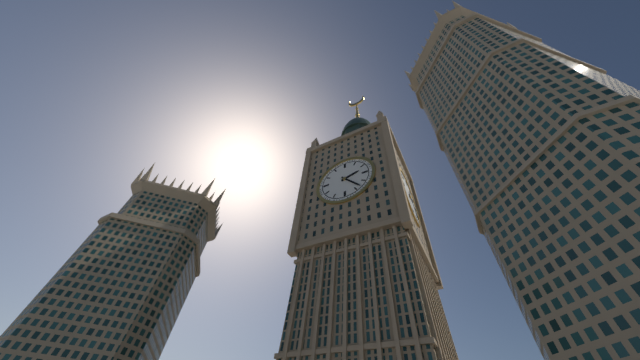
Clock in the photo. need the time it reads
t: 2:23
